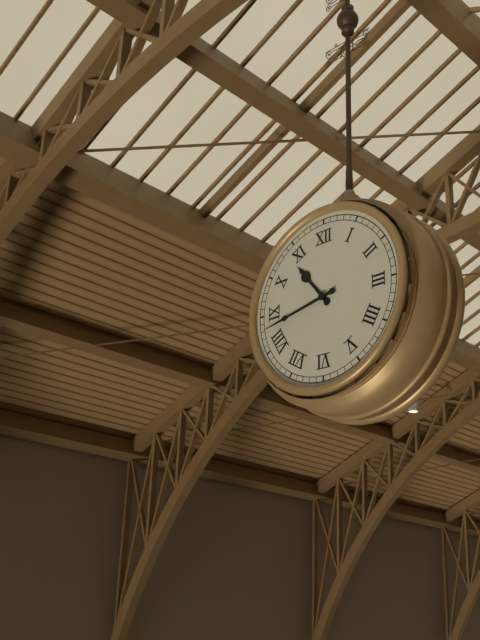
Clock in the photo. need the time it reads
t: 10:43
